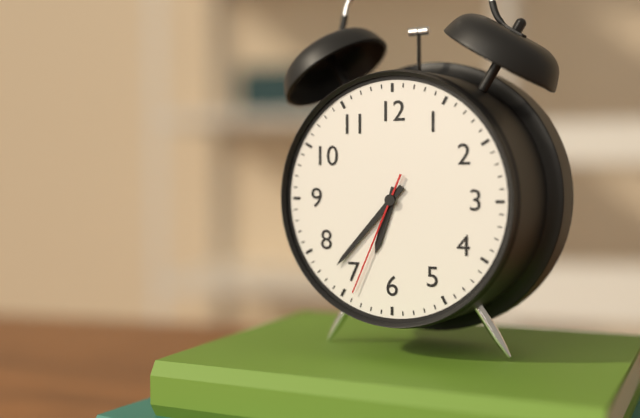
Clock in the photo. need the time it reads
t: 6:37:34
